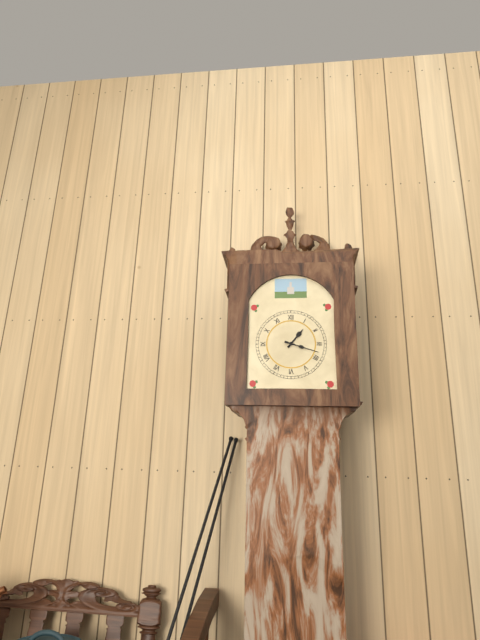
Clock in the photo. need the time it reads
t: 1:18
